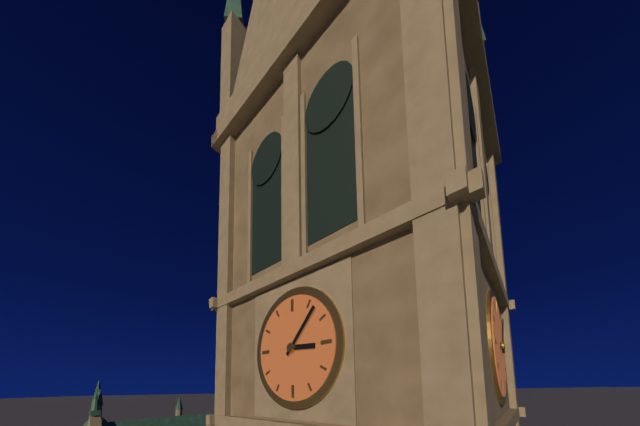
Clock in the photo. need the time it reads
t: 3:07
